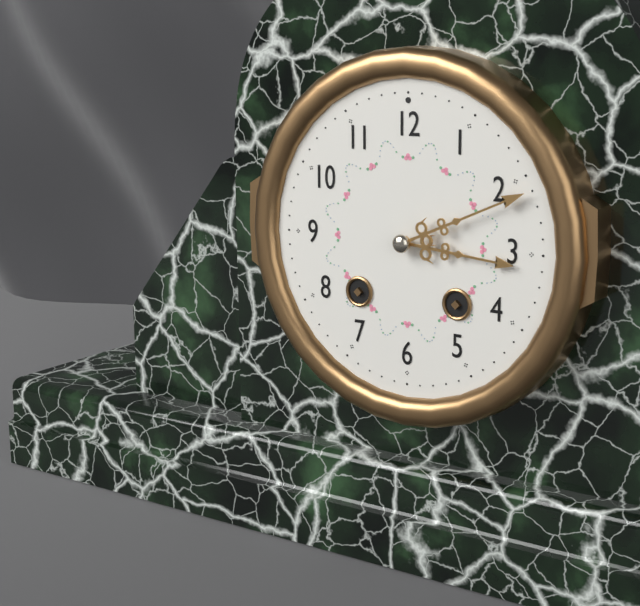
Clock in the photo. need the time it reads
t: 3:11
